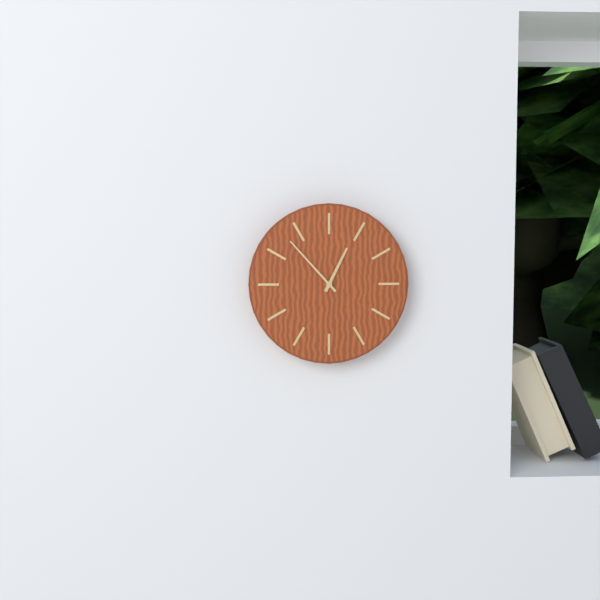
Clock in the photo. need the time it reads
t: 12:53
